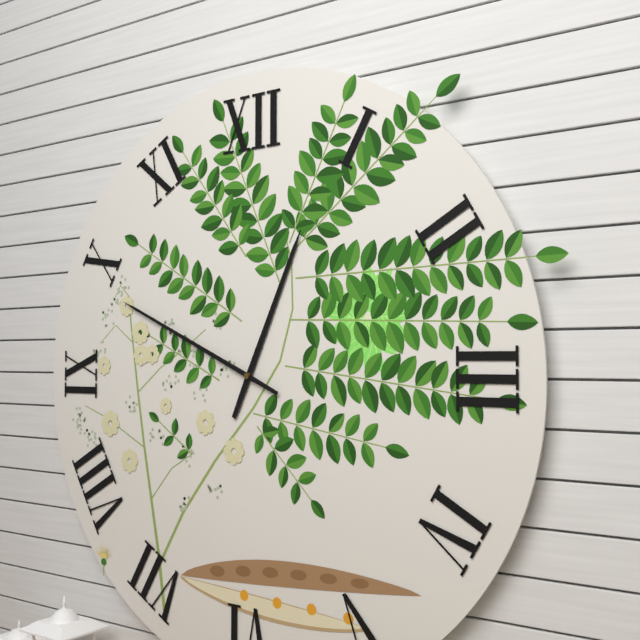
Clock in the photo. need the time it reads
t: 12:49
